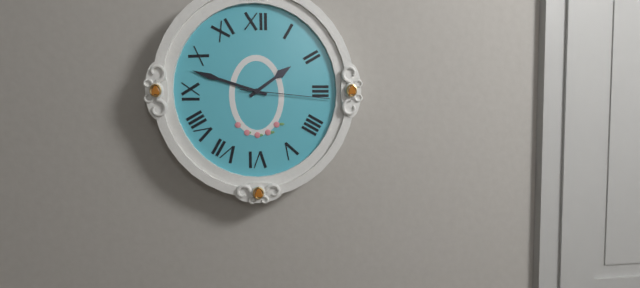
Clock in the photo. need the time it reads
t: 1:48:16
